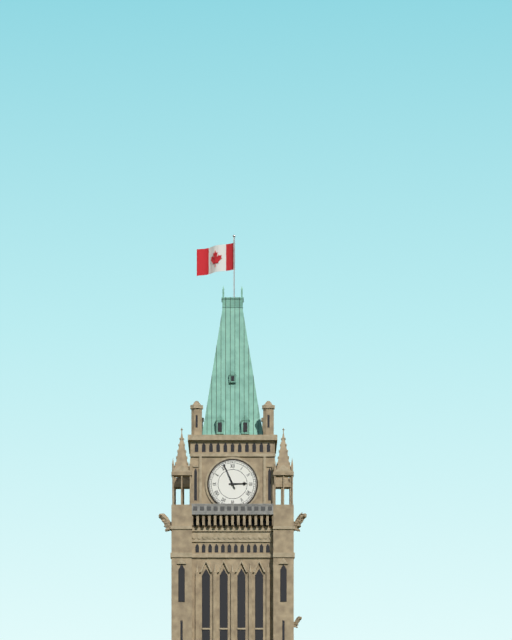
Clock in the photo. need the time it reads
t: 2:56
